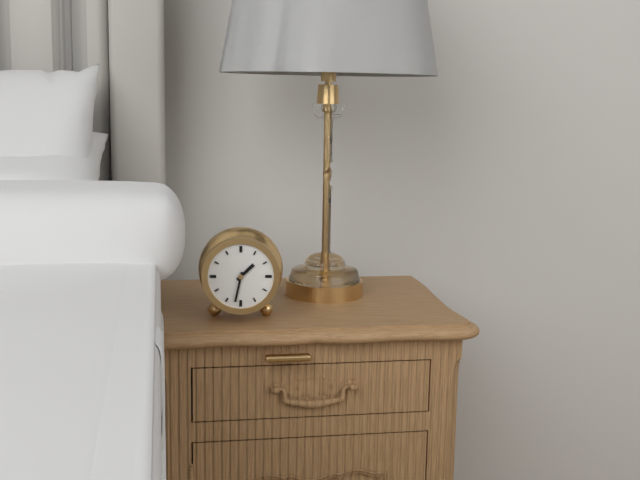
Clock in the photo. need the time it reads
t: 1:32
